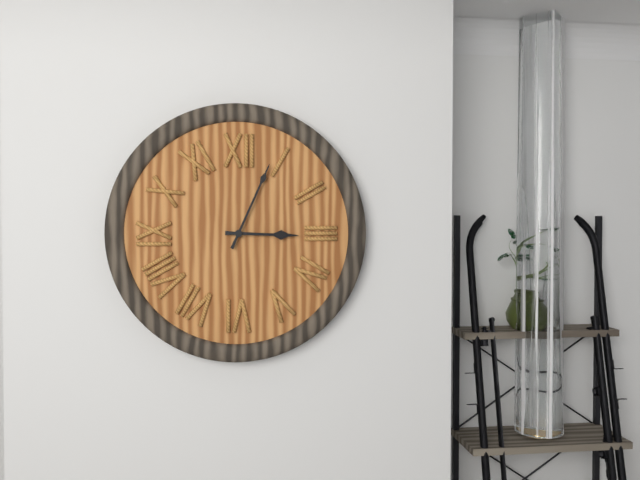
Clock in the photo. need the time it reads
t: 3:04
